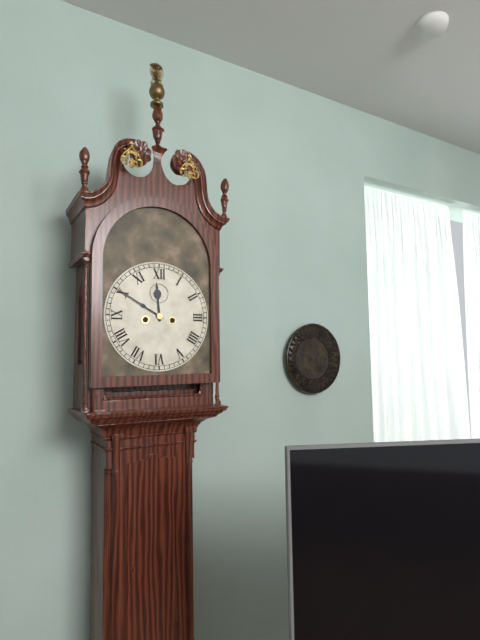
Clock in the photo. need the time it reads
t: 11:50
